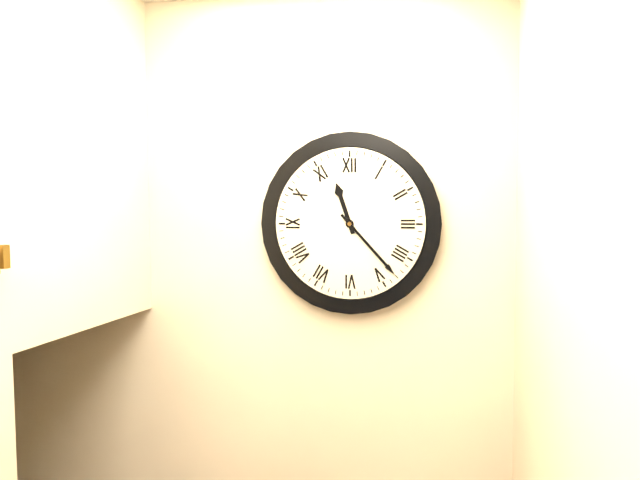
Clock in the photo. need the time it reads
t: 11:23
